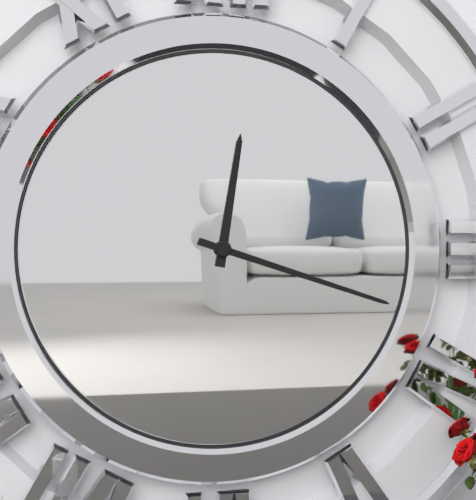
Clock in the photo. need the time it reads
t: 12:18
